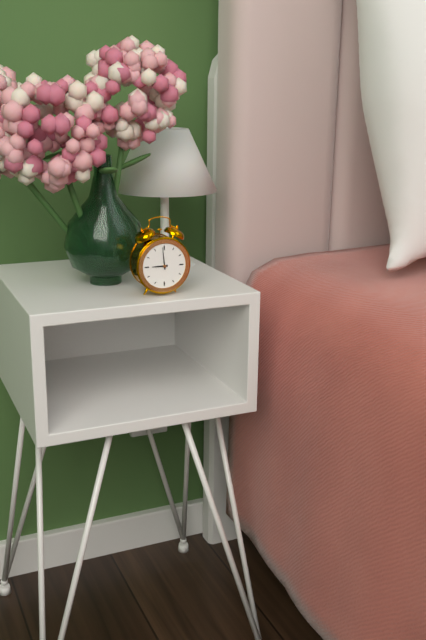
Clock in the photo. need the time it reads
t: 8:59
